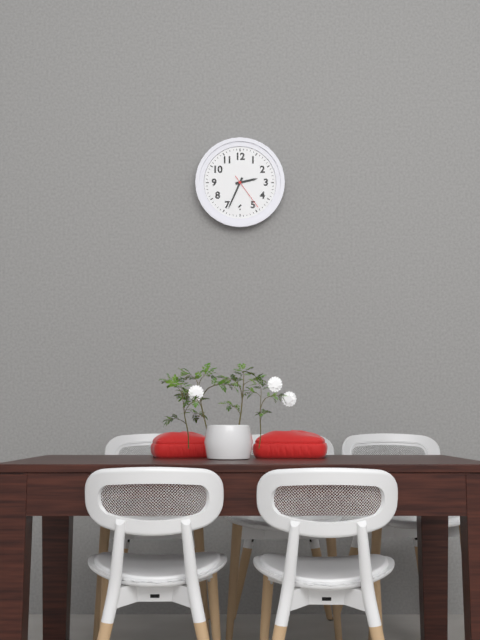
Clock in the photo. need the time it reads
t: 2:34
